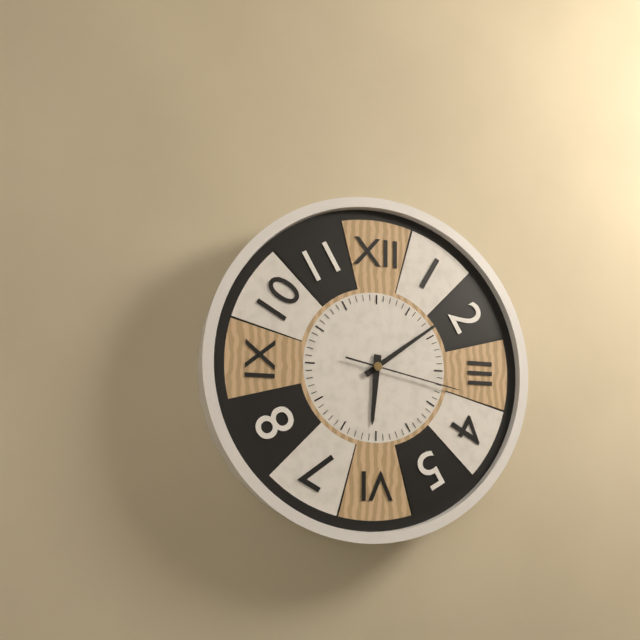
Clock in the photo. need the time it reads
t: 6:09:17
